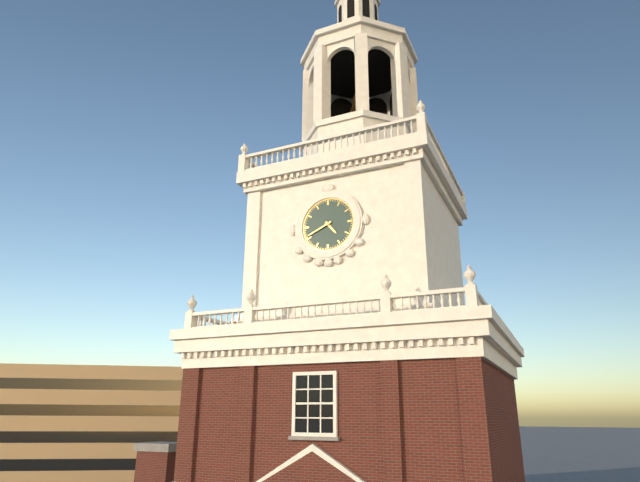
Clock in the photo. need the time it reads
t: 4:41
